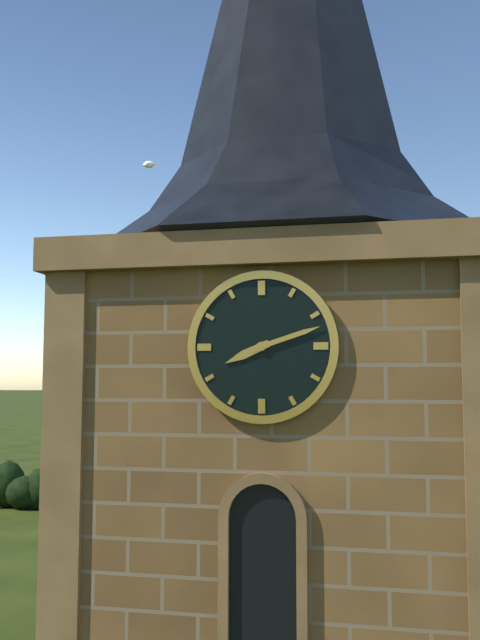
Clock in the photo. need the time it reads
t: 8:12
